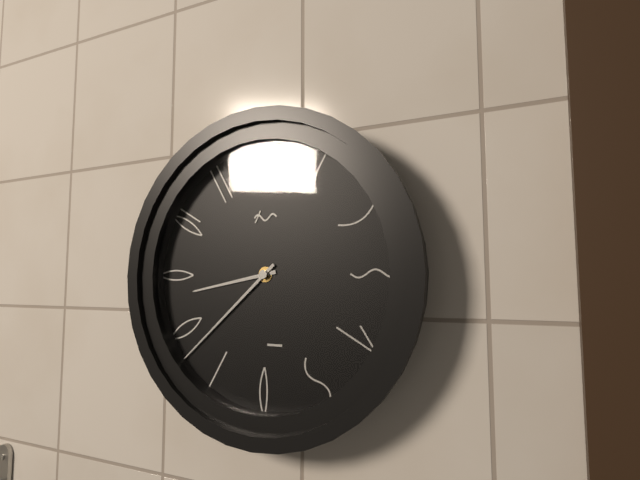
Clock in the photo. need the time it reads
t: 8:38
